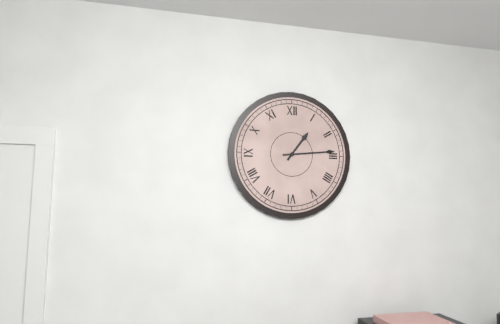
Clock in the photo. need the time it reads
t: 1:14
